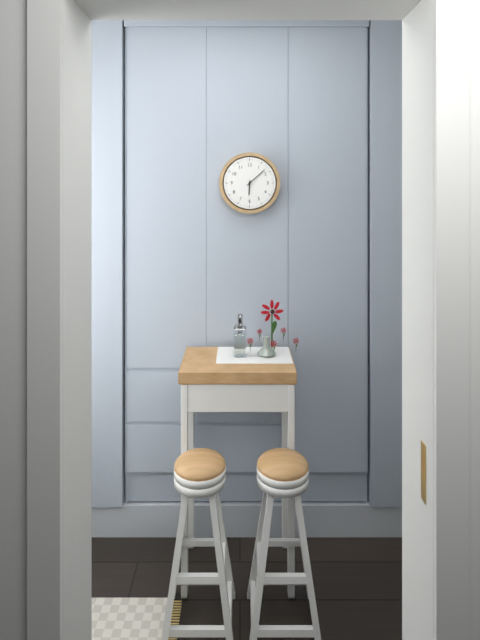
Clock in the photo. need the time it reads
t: 6:08
